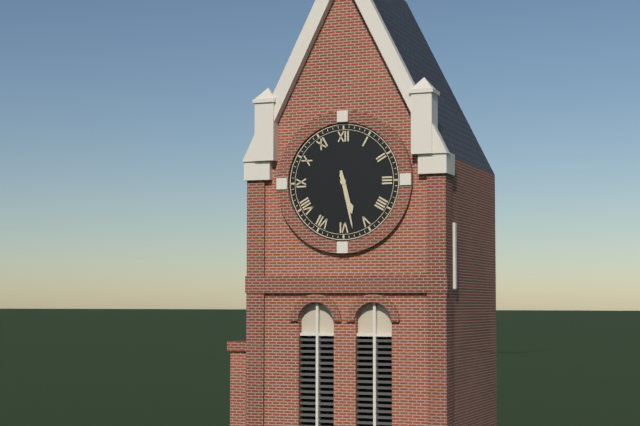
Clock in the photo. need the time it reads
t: 5:28
